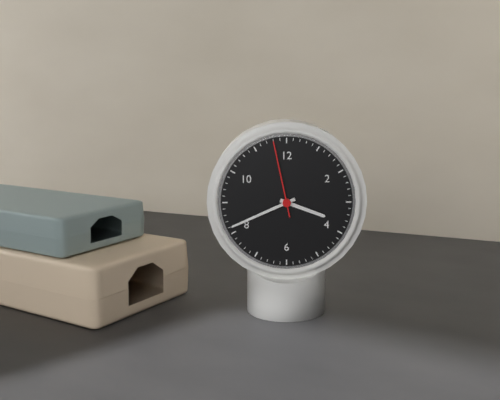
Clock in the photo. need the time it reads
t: 3:41:58
